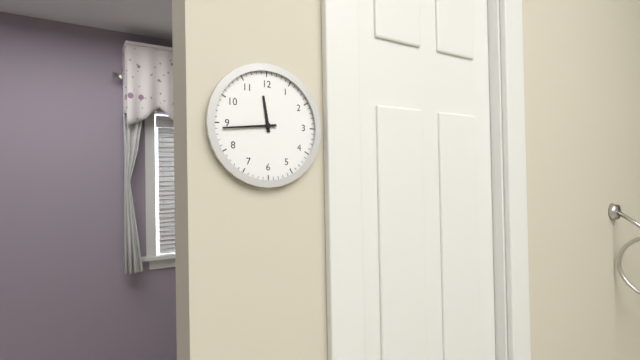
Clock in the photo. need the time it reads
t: 11:44
